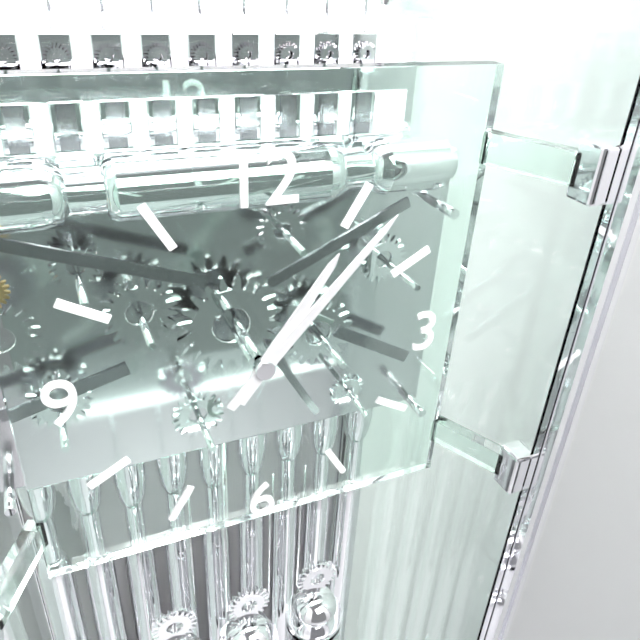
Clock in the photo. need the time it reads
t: 1:07
